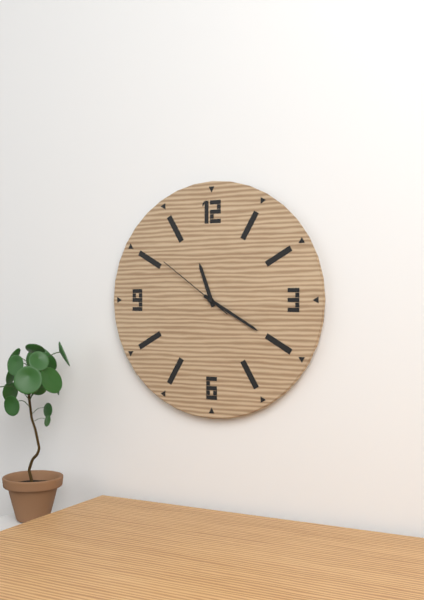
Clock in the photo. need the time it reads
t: 11:20:51
